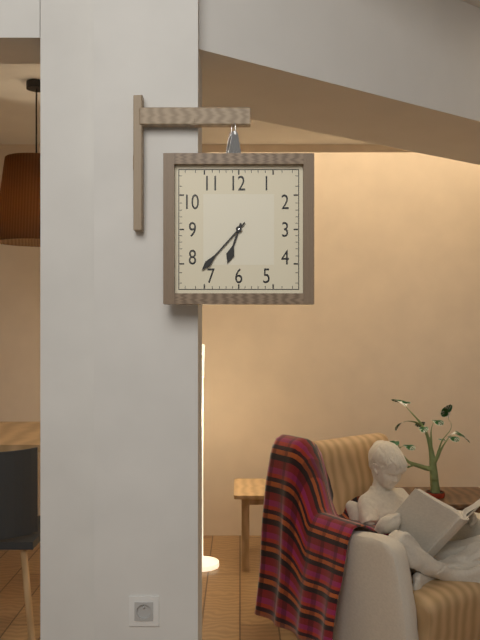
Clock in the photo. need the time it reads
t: 6:37
